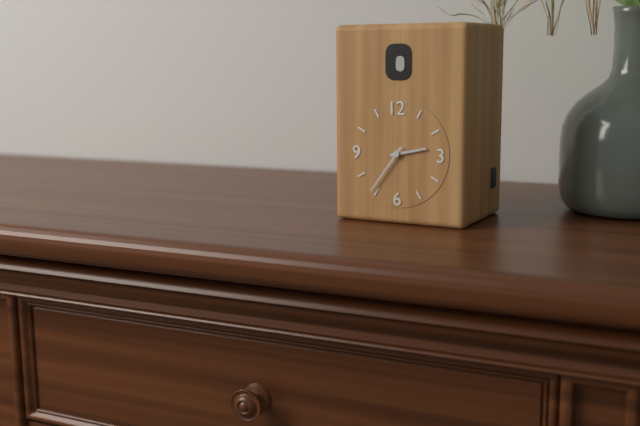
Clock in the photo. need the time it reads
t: 2:36
